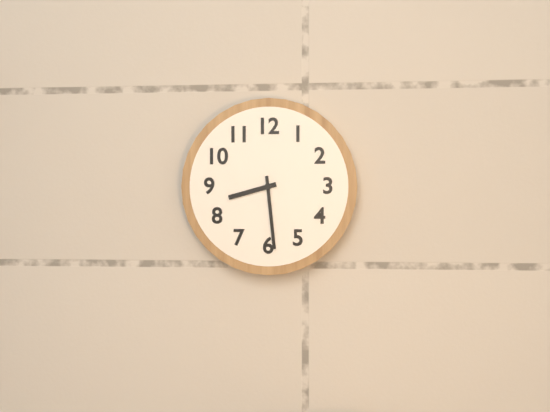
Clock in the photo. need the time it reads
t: 8:29
